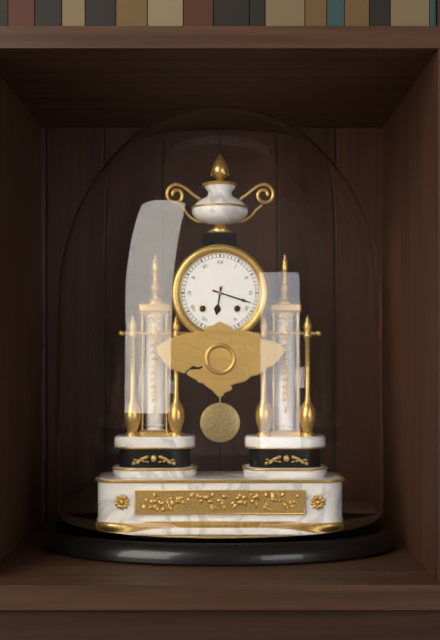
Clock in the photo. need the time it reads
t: 6:18
